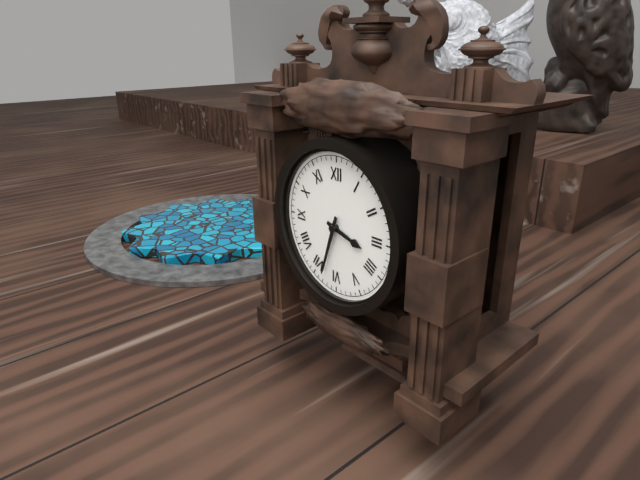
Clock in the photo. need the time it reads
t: 3:33
